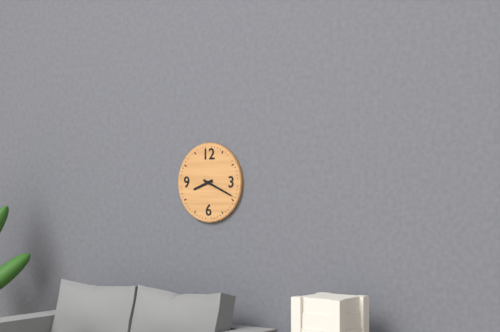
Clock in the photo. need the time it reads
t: 8:19
